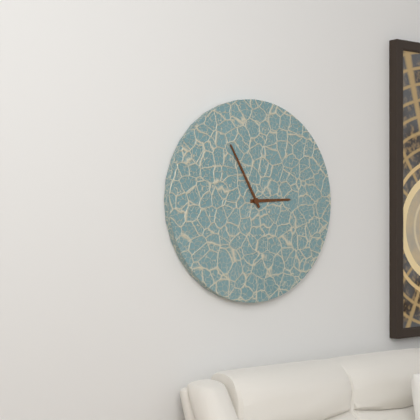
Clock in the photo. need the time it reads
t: 2:55
